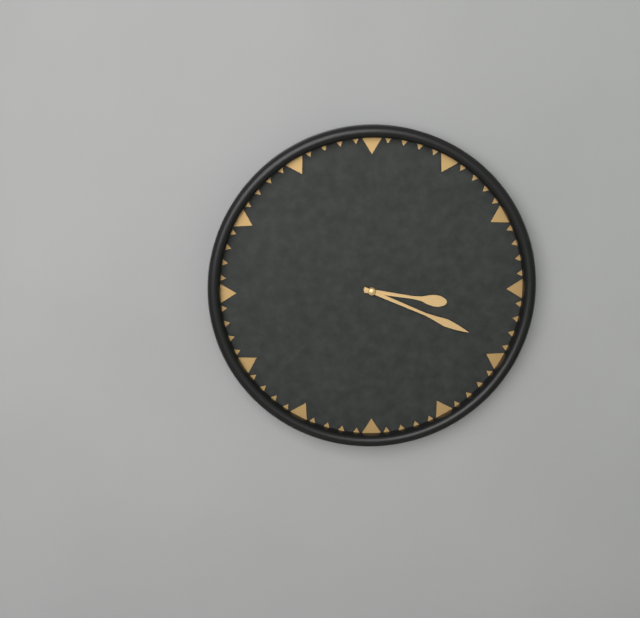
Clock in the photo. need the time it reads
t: 3:19
